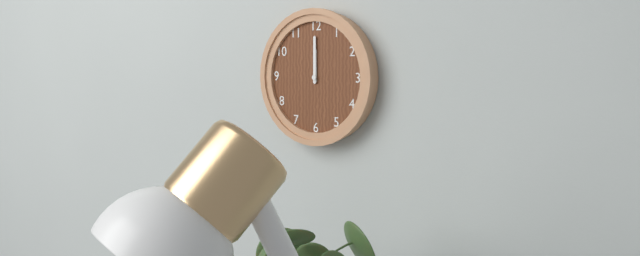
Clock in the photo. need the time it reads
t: 12:00
